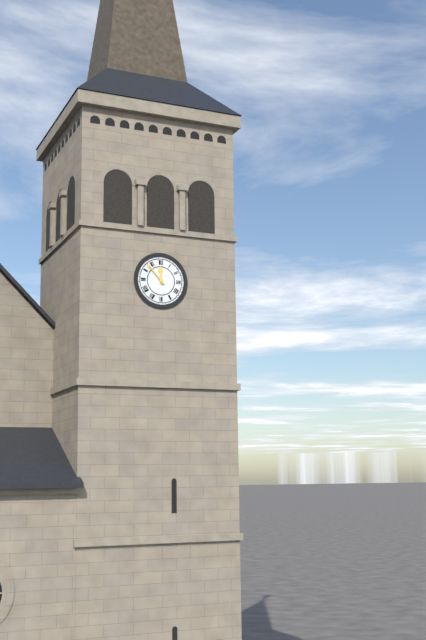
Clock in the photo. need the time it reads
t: 11:53
